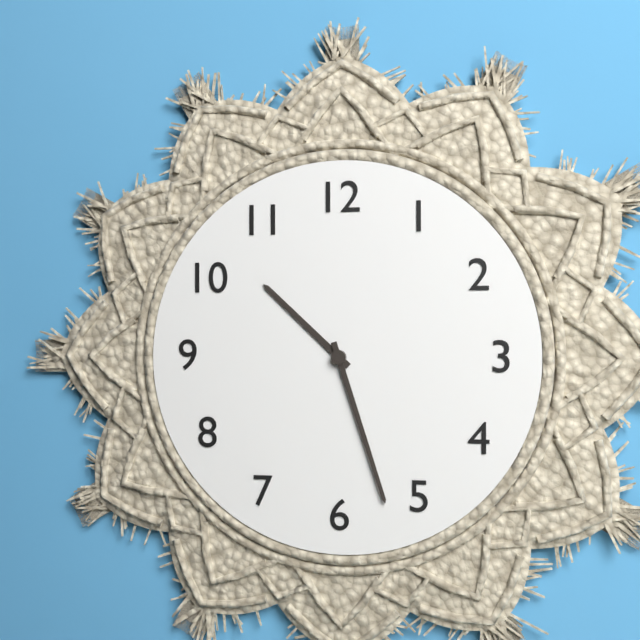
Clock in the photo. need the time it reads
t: 10:27
